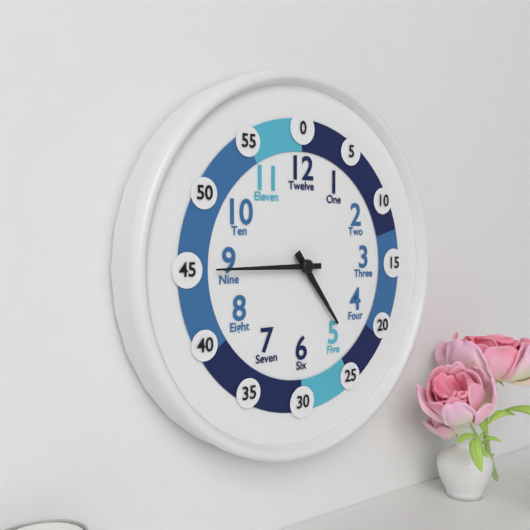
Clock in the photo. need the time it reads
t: 4:45
